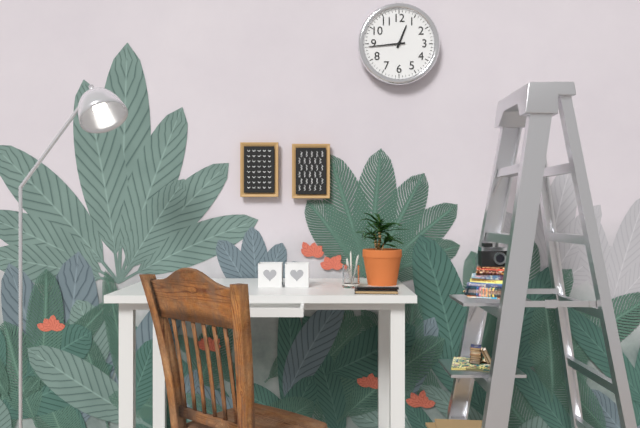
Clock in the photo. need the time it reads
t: 12:44
